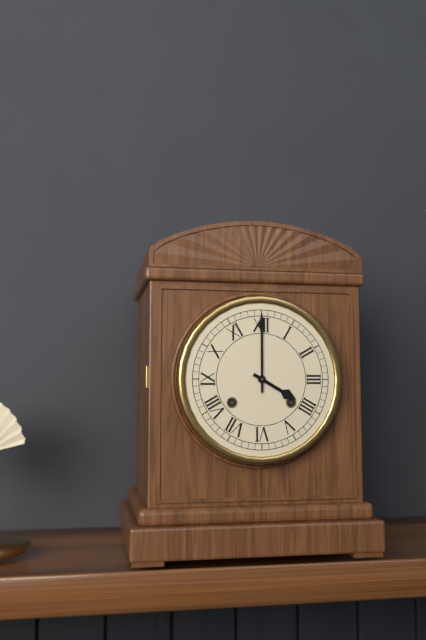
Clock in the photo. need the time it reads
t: 4:00
